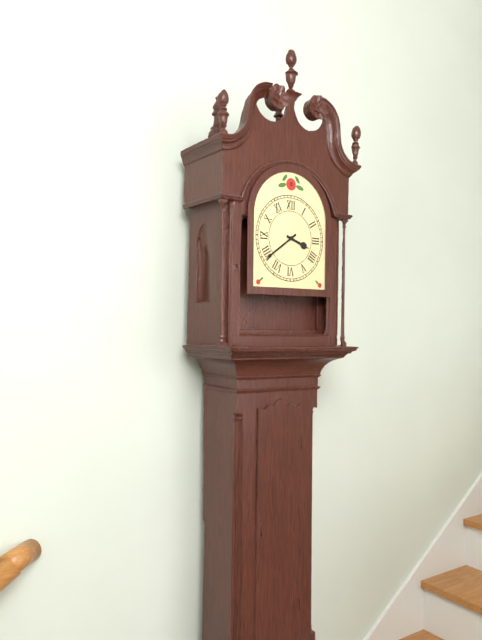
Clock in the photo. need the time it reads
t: 3:39
